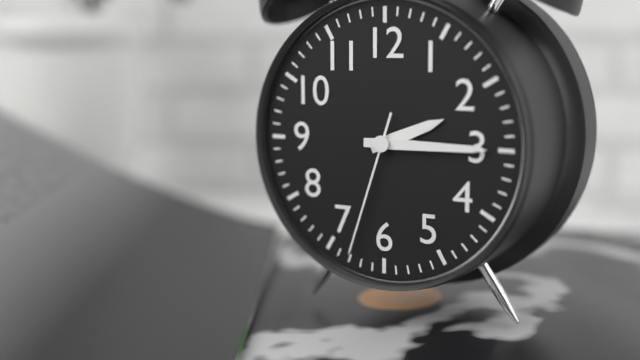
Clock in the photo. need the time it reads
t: 2:15:33
